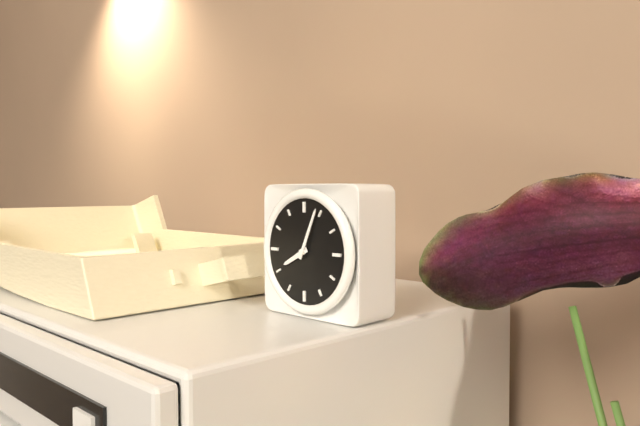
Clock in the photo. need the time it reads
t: 8:04
